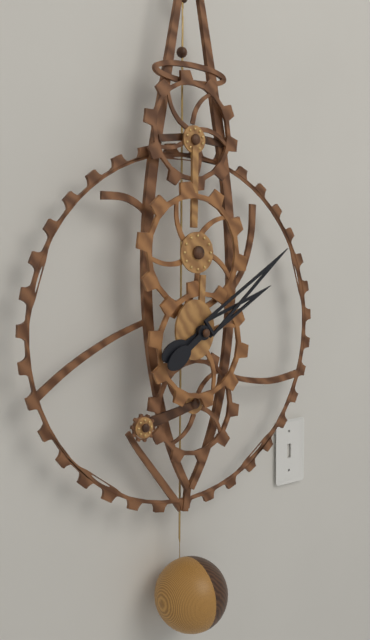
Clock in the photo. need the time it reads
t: 2:09
